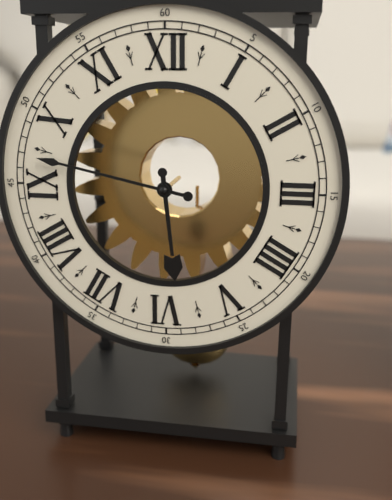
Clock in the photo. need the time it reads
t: 5:47
